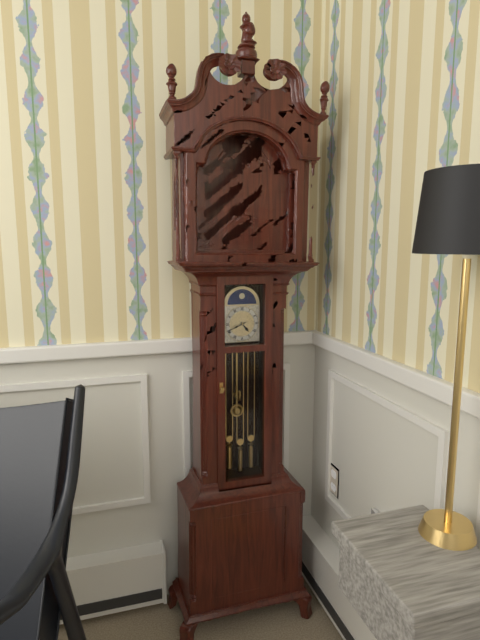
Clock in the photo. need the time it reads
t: 4:41
